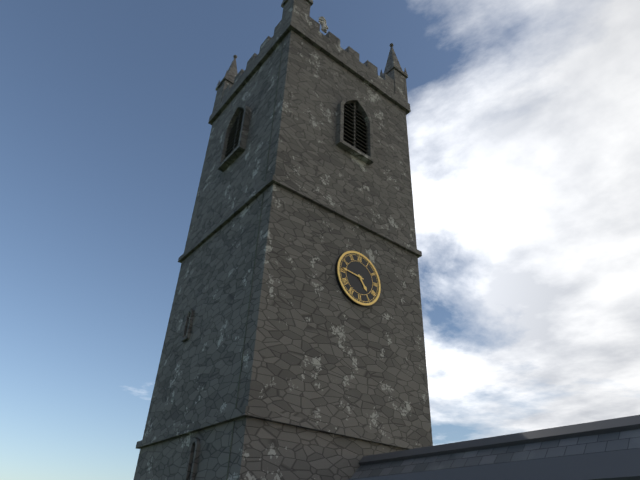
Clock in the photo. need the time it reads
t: 4:46
